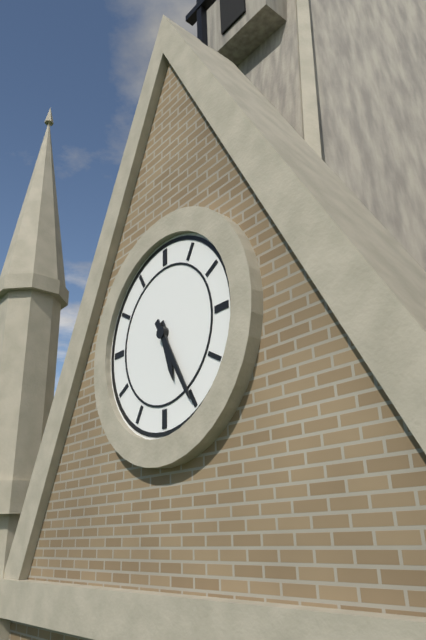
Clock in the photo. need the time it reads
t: 5:25
